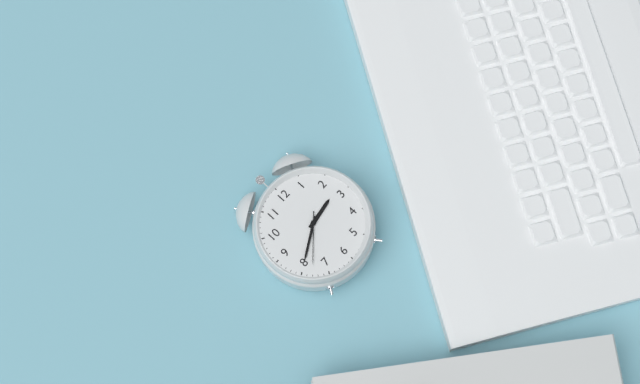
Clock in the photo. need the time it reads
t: 2:40:38
